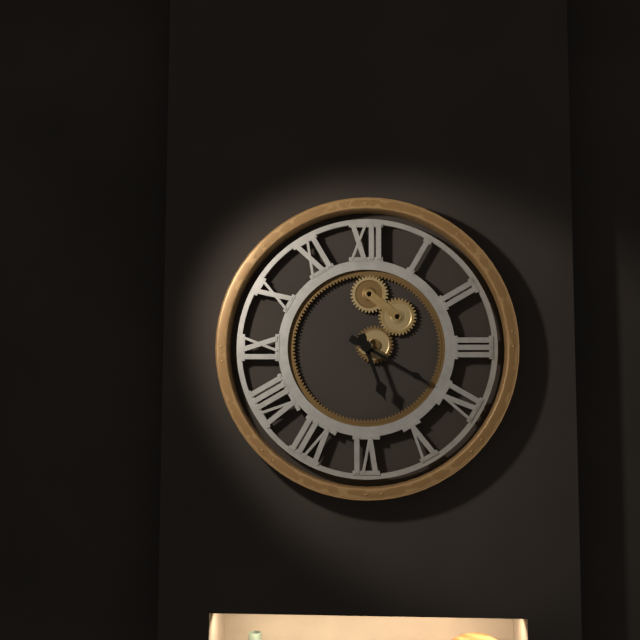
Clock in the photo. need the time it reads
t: 5:20
